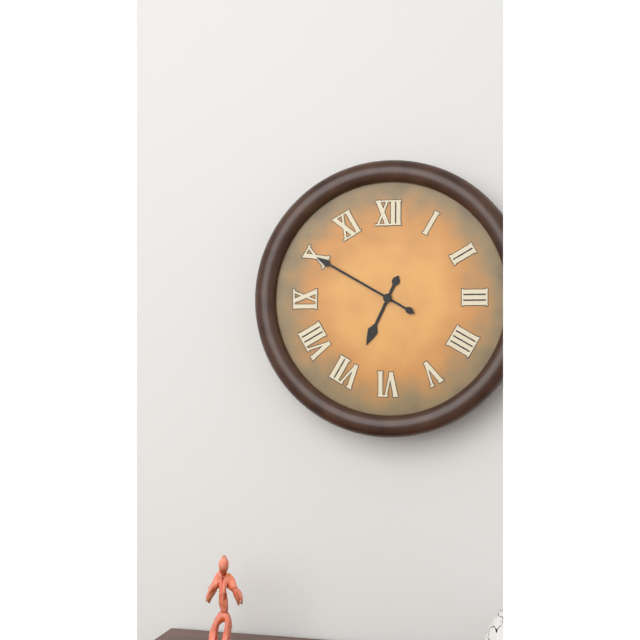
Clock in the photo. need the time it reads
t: 6:50
